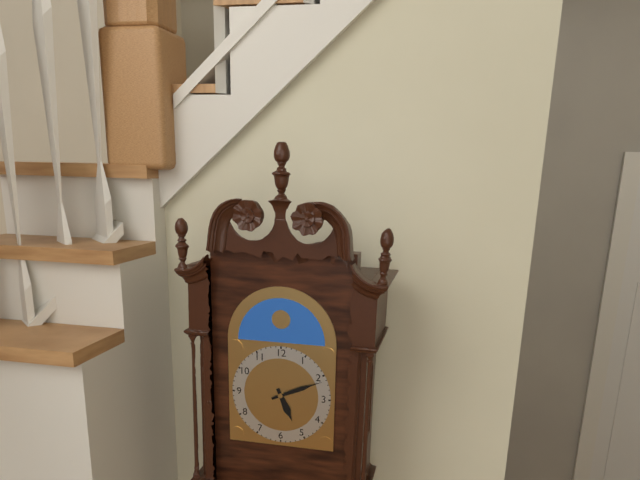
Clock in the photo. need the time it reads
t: 5:11
